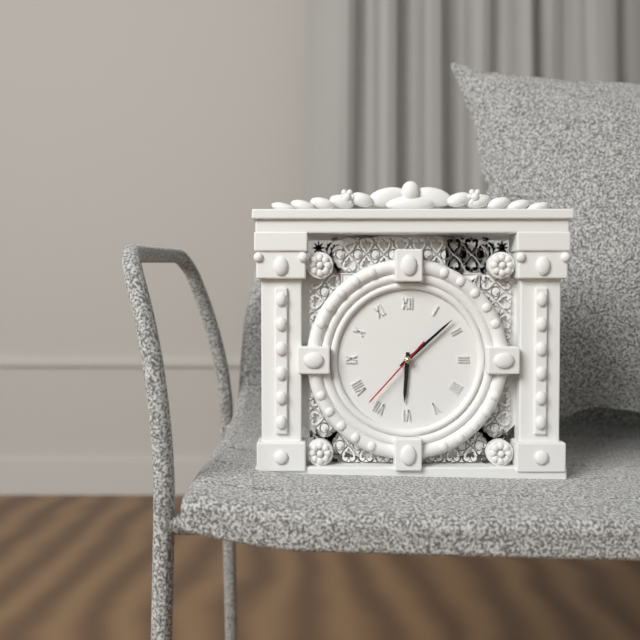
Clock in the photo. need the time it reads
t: 6:08:37
